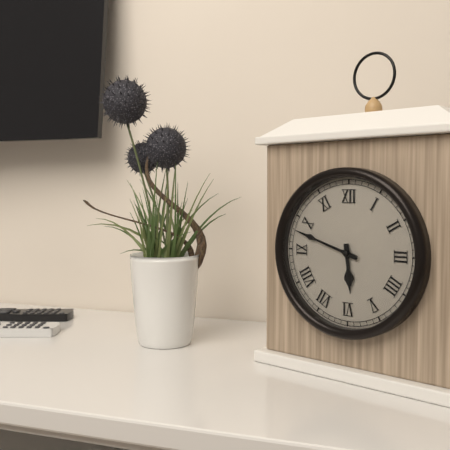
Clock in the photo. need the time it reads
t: 5:48
